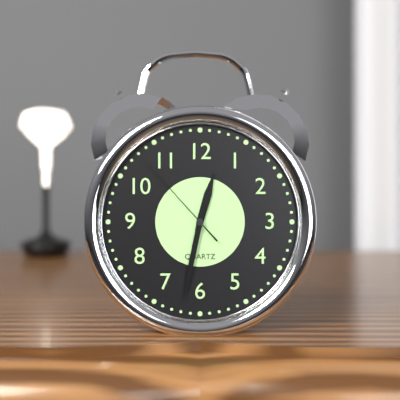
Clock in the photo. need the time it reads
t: 12:32:53
